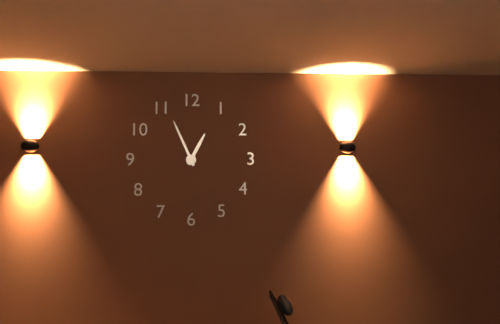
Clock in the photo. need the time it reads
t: 12:56
